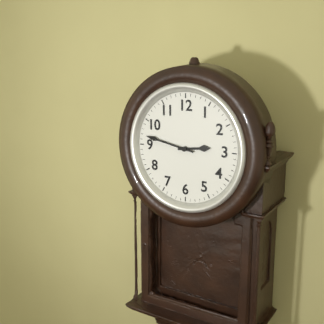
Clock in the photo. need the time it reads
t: 2:47
